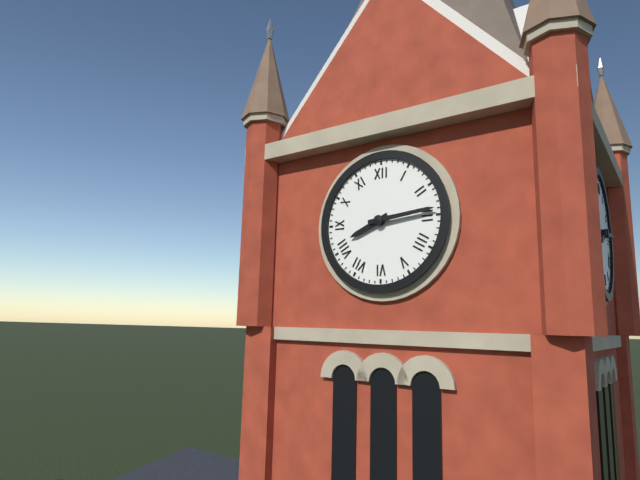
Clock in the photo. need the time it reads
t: 8:14
